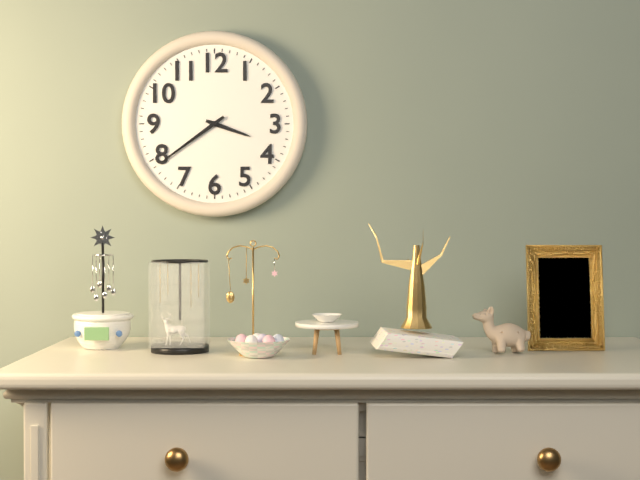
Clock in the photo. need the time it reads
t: 3:39
